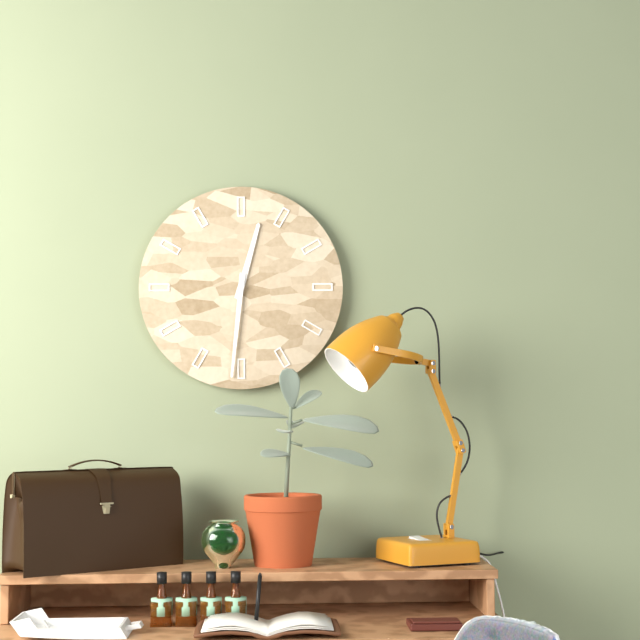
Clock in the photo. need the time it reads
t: 12:31
